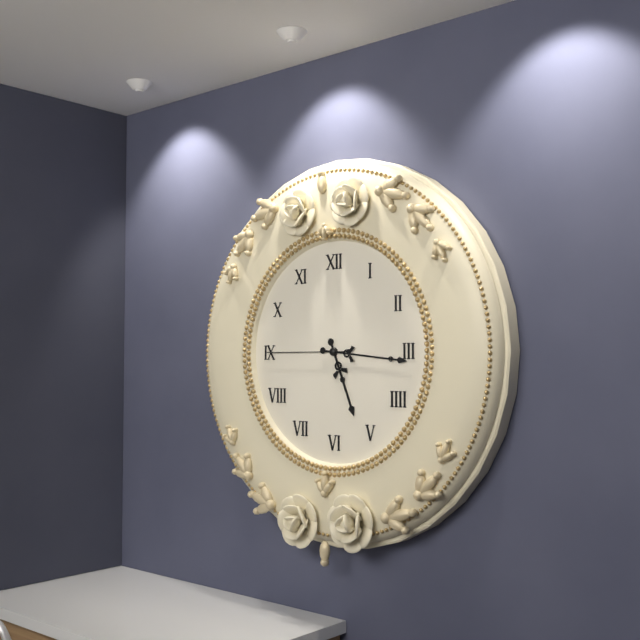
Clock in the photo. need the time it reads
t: 5:16:45
